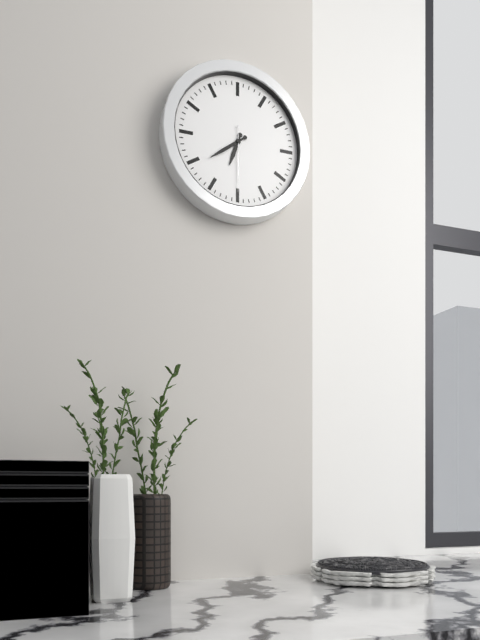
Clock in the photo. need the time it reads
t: 6:39:30
